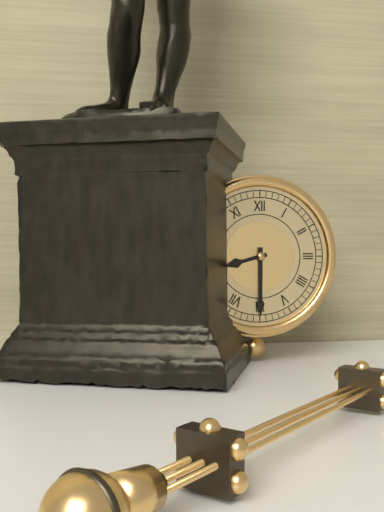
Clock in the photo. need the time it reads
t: 8:30
